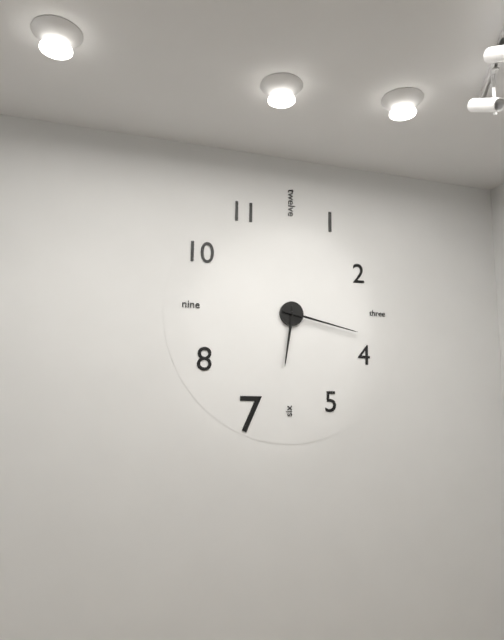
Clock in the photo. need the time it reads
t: 6:17
